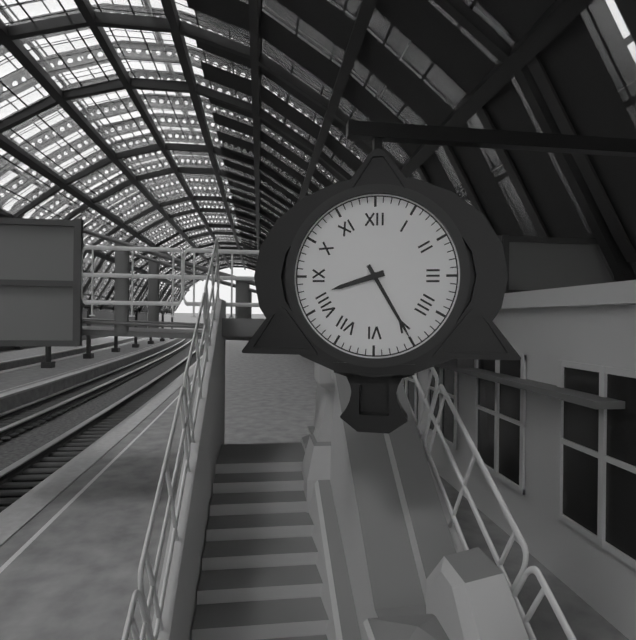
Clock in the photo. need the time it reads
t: 8:25
